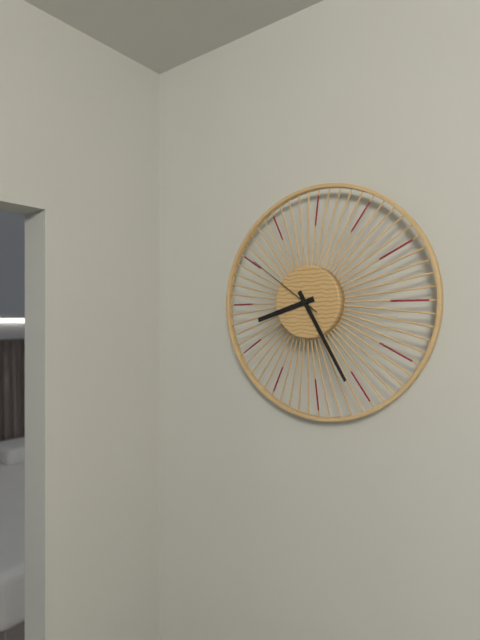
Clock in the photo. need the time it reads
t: 8:25:51
